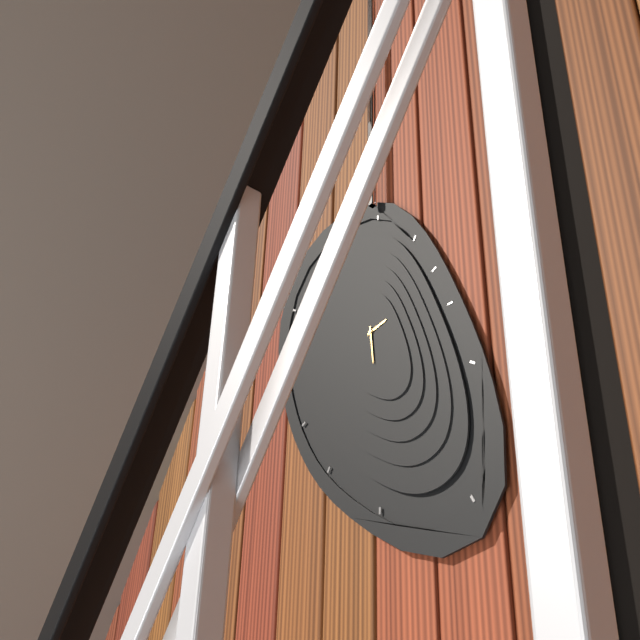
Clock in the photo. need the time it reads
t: 2:29
